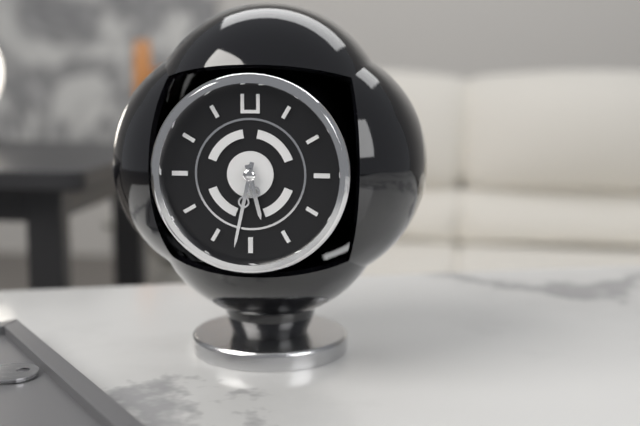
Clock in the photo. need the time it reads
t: 5:32
